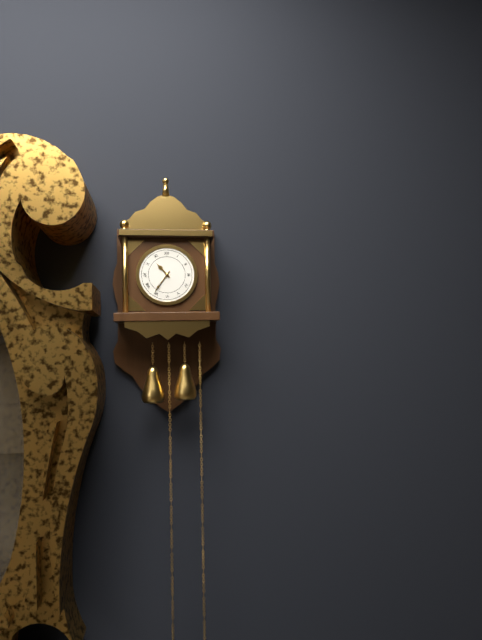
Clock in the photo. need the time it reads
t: 10:36
